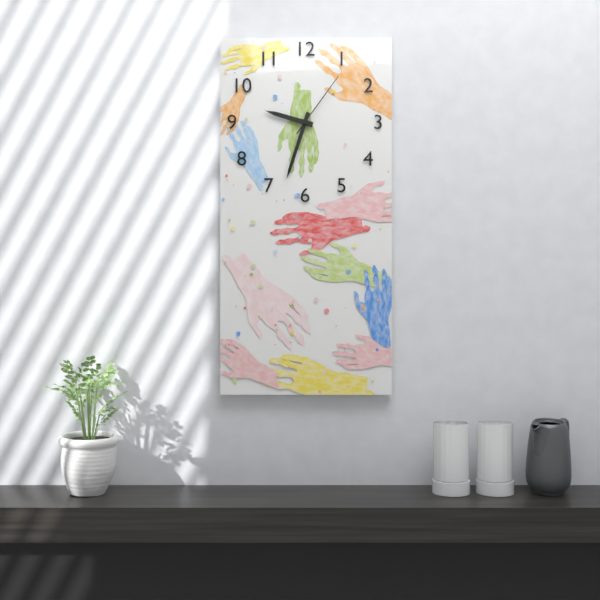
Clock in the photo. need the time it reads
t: 9:33:06
